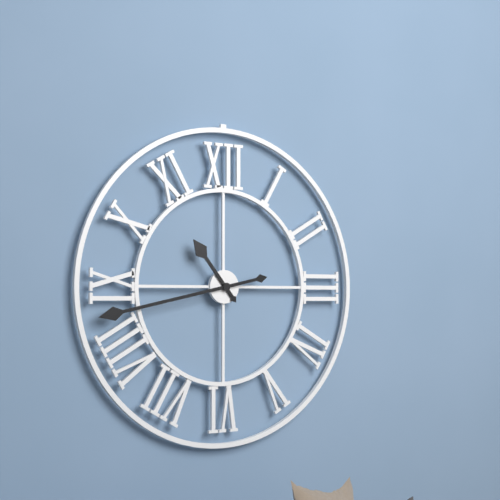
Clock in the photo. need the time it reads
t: 10:43
